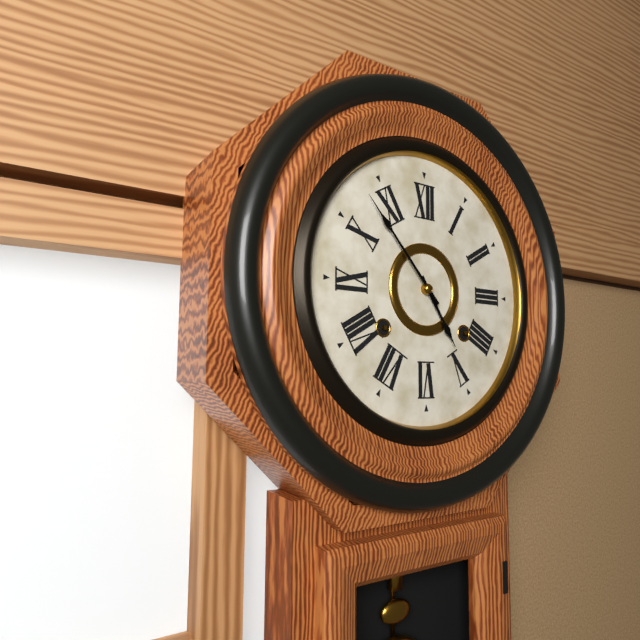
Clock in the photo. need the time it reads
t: 4:53
